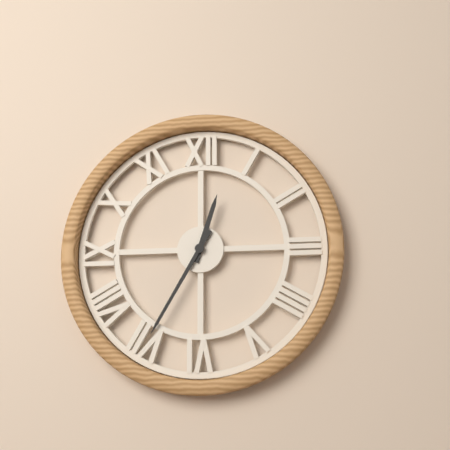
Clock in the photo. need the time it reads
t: 12:35
